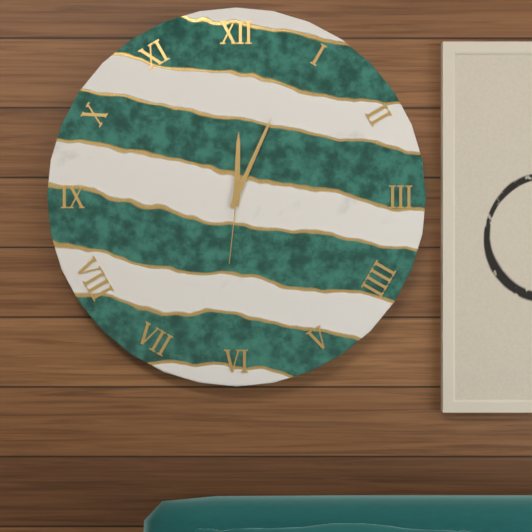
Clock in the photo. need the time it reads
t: 12:04:31
